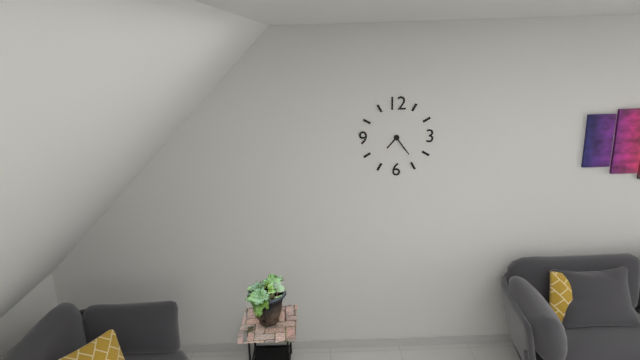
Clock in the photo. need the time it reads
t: 7:24
